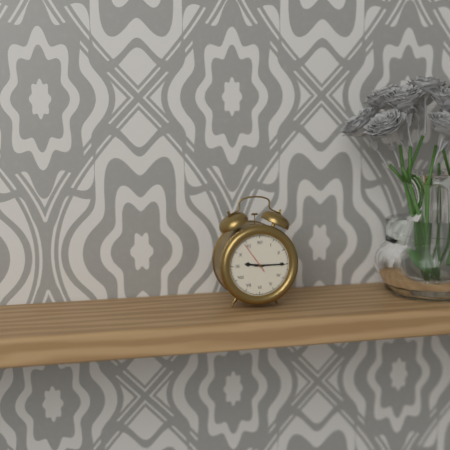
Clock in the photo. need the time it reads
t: 9:15
